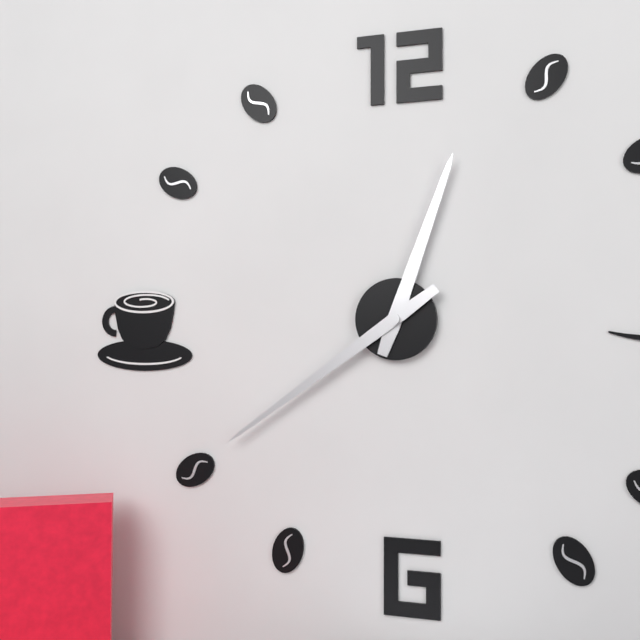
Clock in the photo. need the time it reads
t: 12:39
